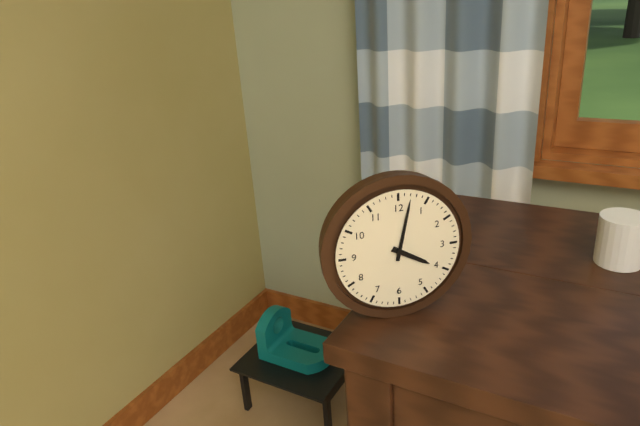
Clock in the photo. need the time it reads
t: 4:02
